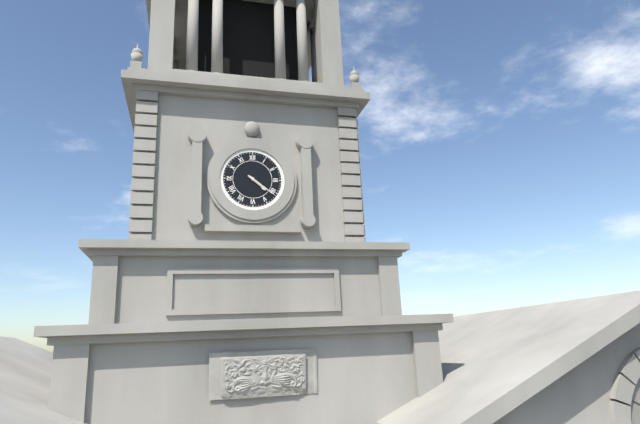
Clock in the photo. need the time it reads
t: 4:21
